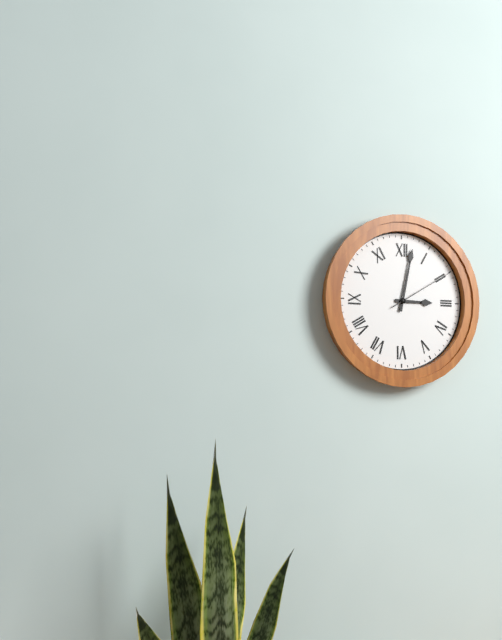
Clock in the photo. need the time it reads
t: 3:02:10
